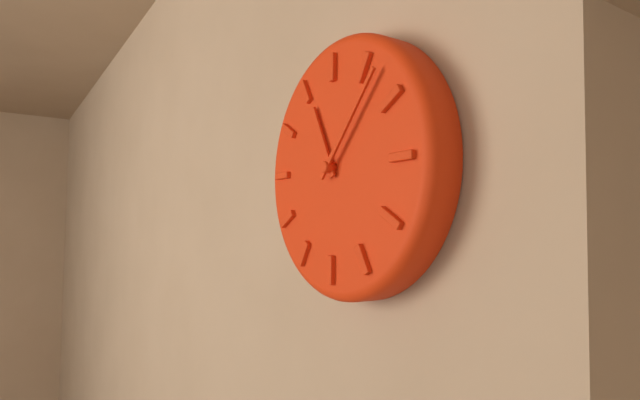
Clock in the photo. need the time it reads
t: 11:07
